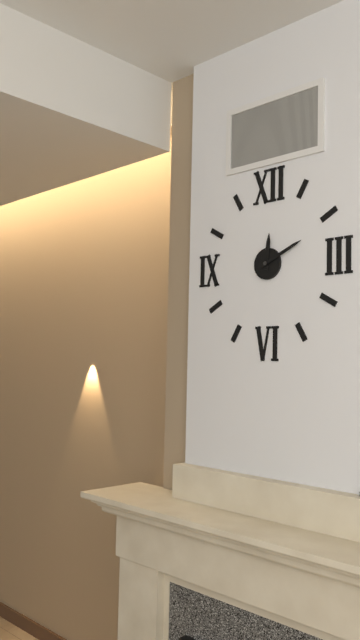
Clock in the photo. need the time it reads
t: 12:11
